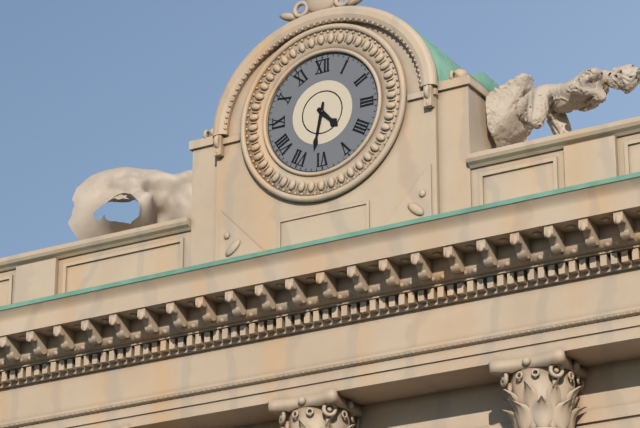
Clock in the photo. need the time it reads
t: 4:32
